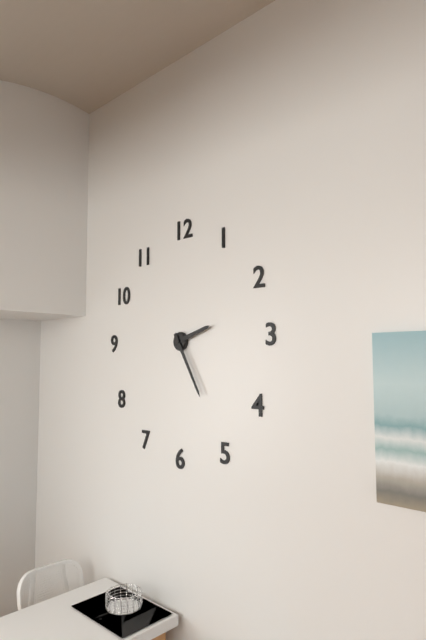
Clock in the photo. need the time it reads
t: 2:25
